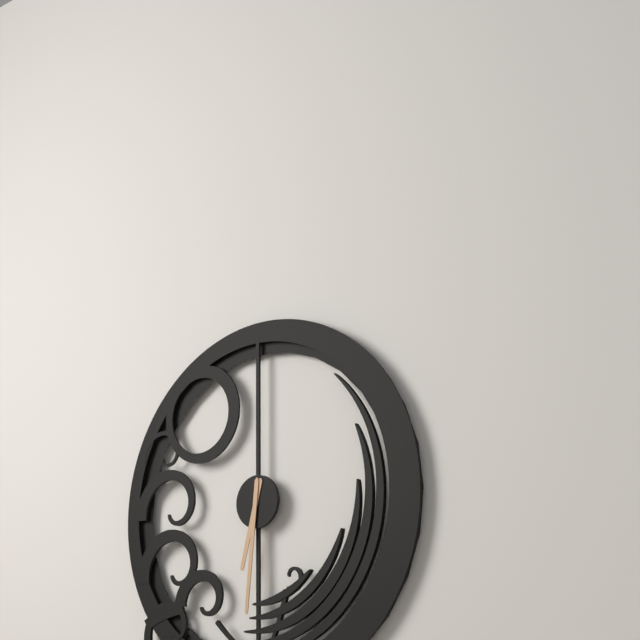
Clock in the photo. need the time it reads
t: 6:31
